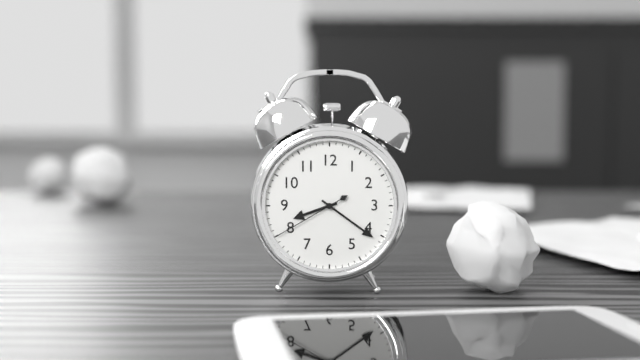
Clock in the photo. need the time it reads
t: 8:21:40
